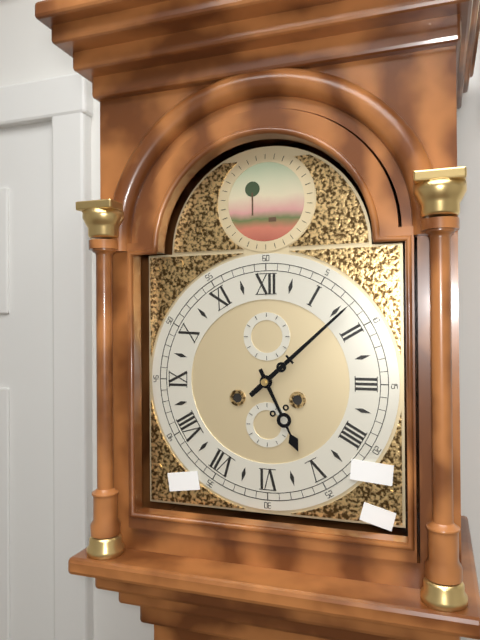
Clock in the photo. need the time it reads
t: 5:08
